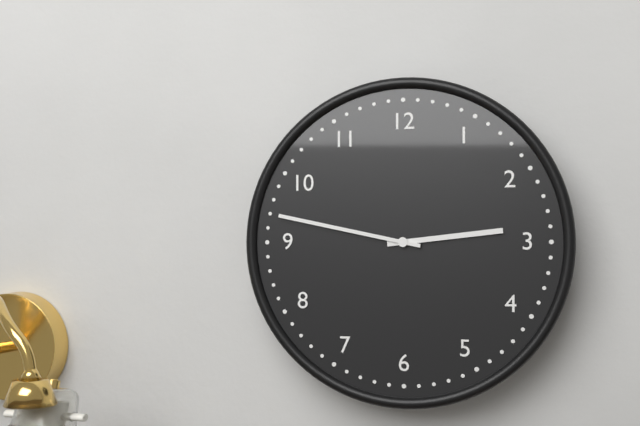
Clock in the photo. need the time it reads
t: 2:47
